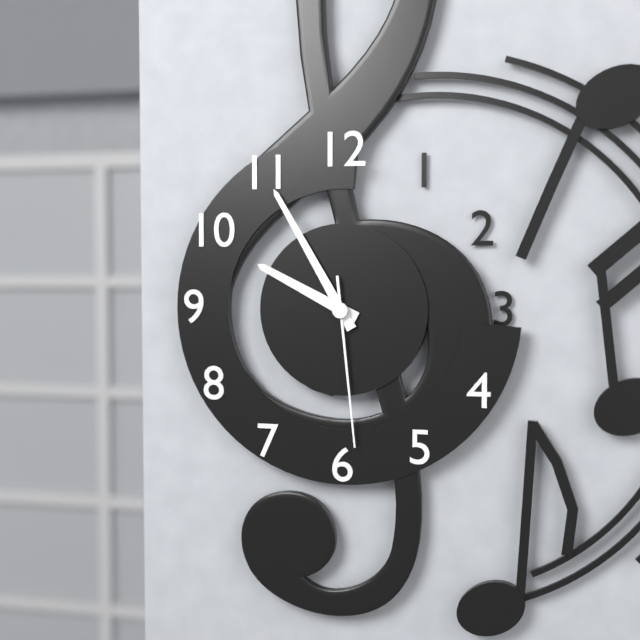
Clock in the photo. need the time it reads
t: 9:55:29
